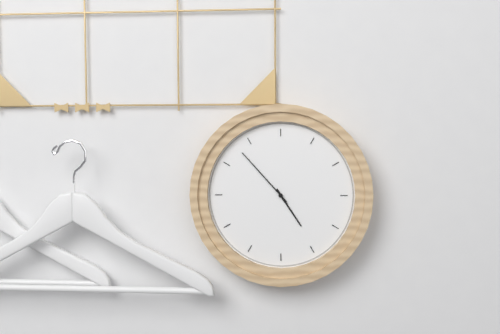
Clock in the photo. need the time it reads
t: 4:53
